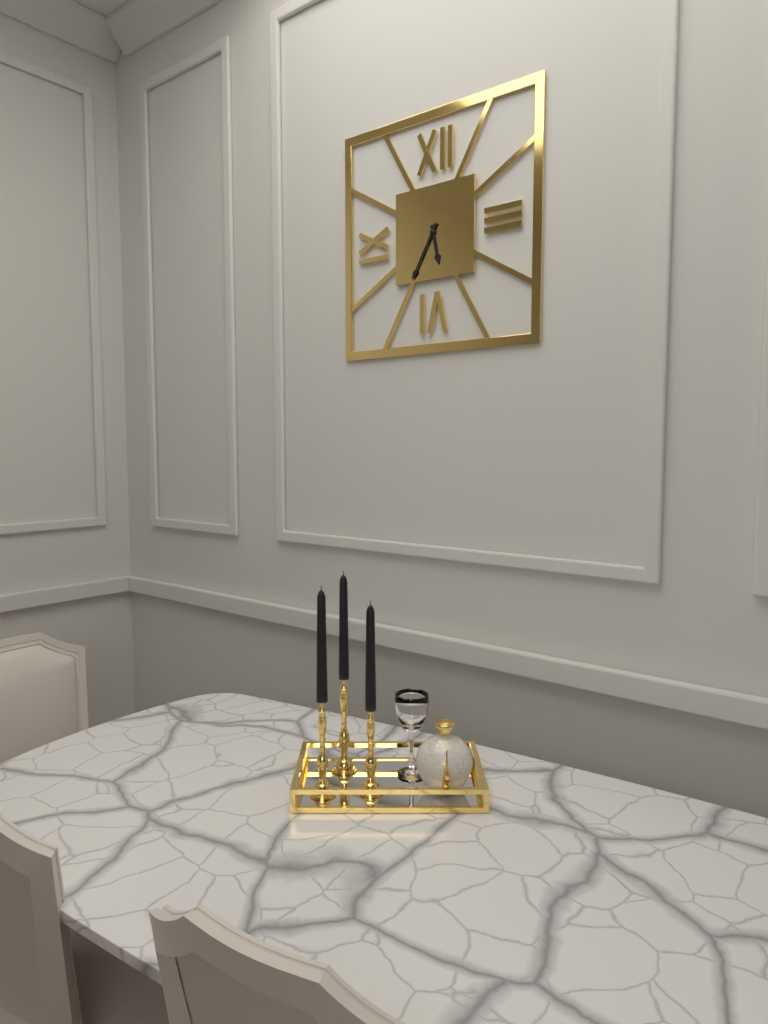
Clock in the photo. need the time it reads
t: 5:35
